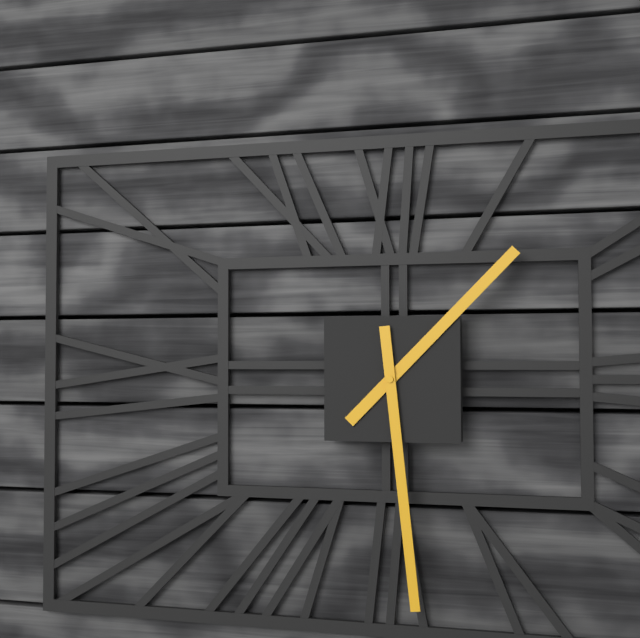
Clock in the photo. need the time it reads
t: 1:29
